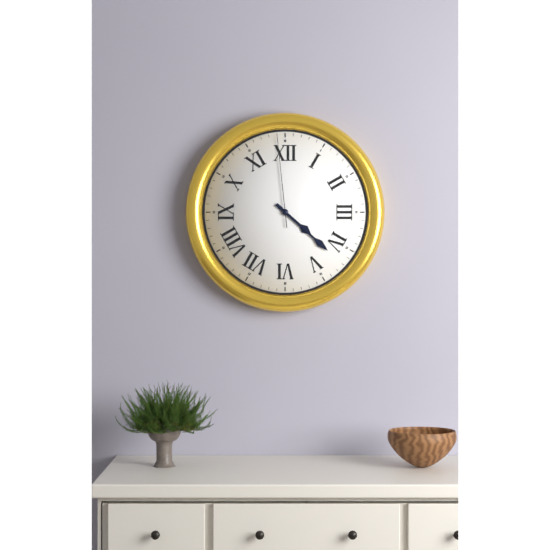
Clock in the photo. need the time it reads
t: 4:22:59
